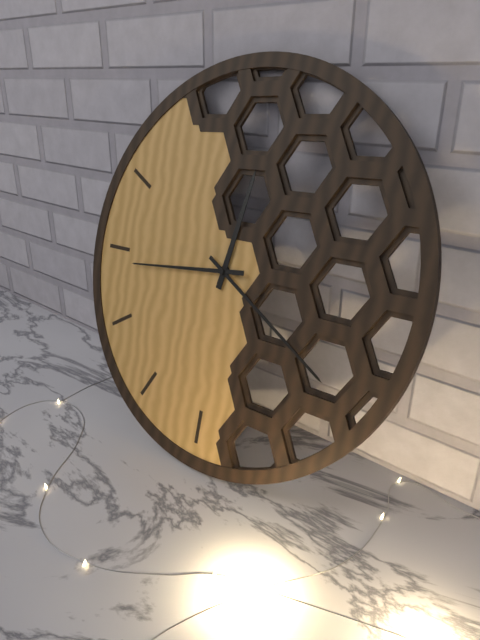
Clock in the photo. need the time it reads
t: 12:20:44
